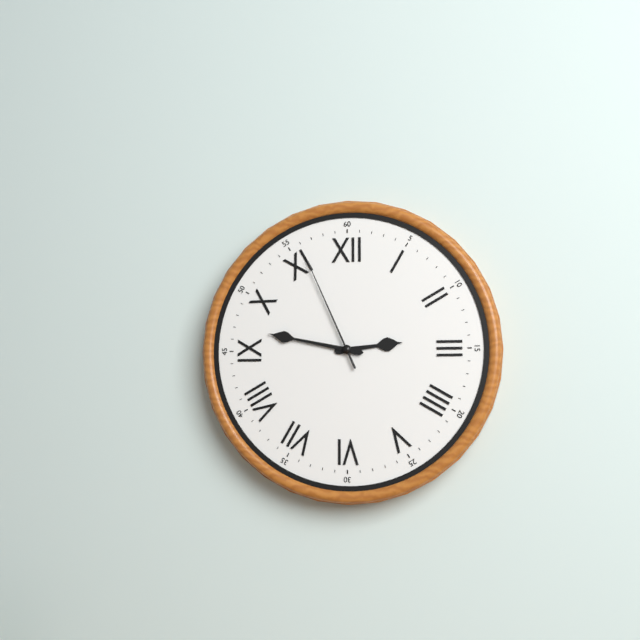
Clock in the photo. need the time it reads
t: 2:47:56
